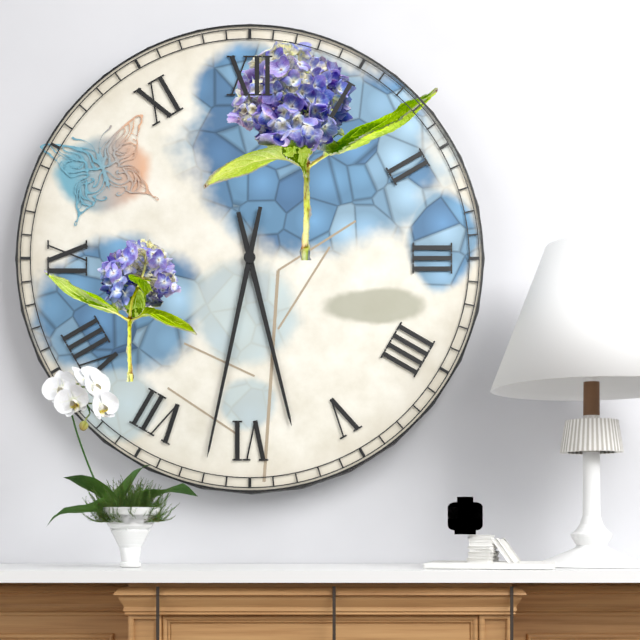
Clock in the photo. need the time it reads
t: 5:32
